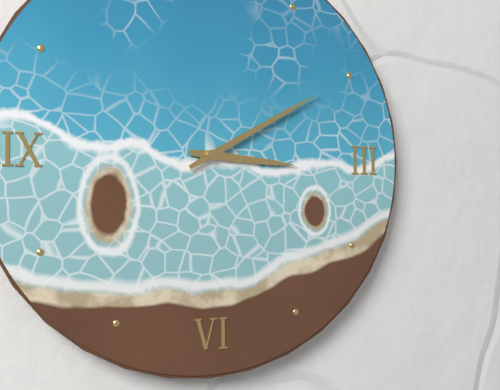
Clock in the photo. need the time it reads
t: 3:10
